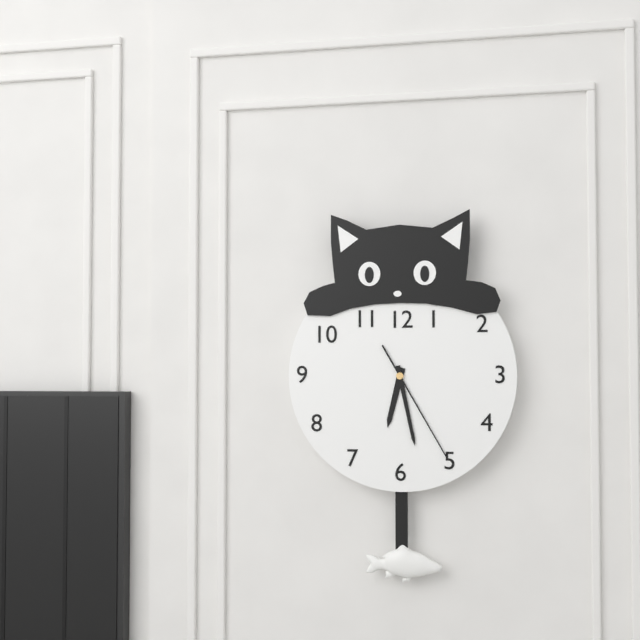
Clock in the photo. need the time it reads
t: 6:28:25
